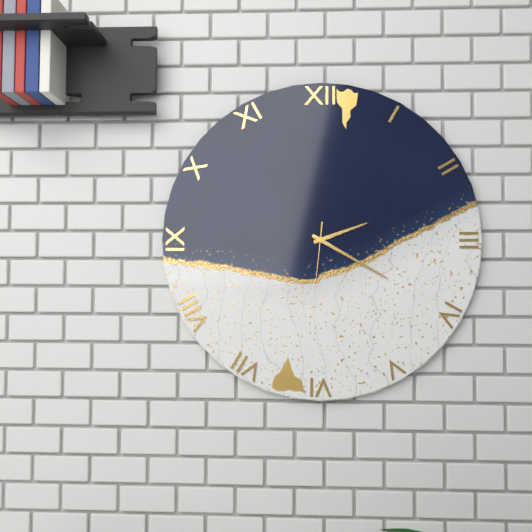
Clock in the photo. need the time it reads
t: 2:20:31
